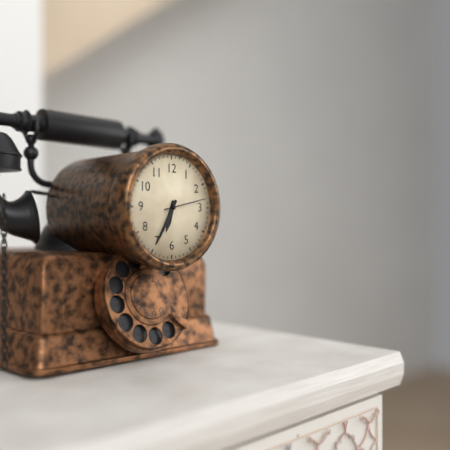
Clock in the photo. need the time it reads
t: 6:35
